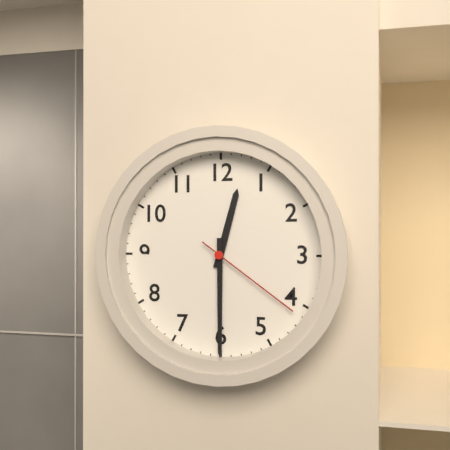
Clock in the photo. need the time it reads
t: 12:30:21
